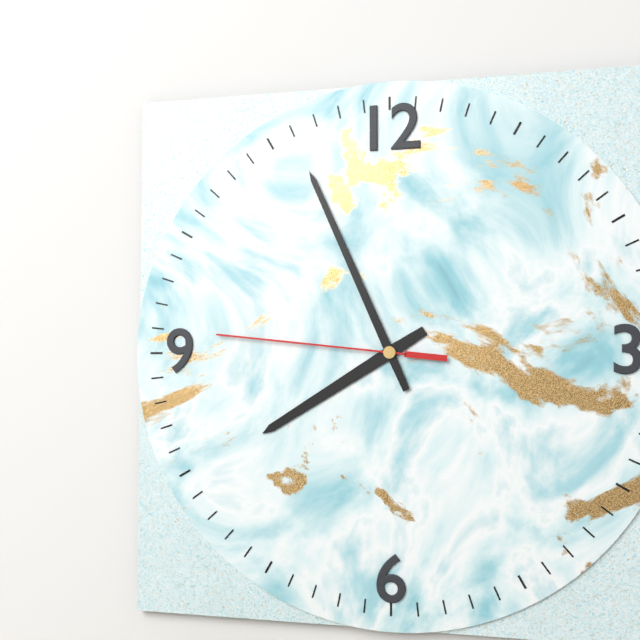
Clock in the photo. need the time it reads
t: 7:56:46
